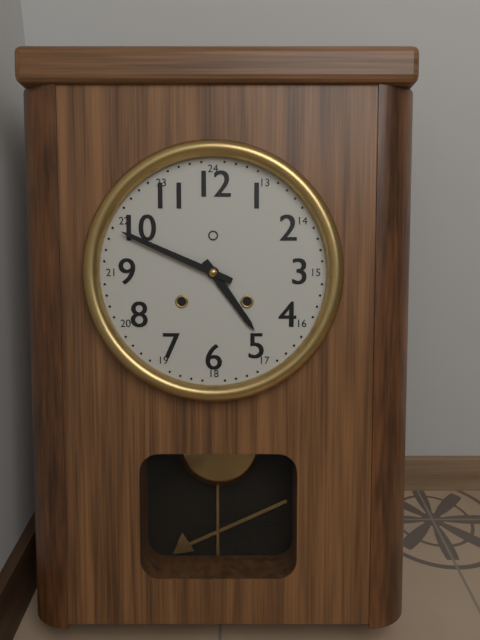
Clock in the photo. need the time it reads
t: 4:49
